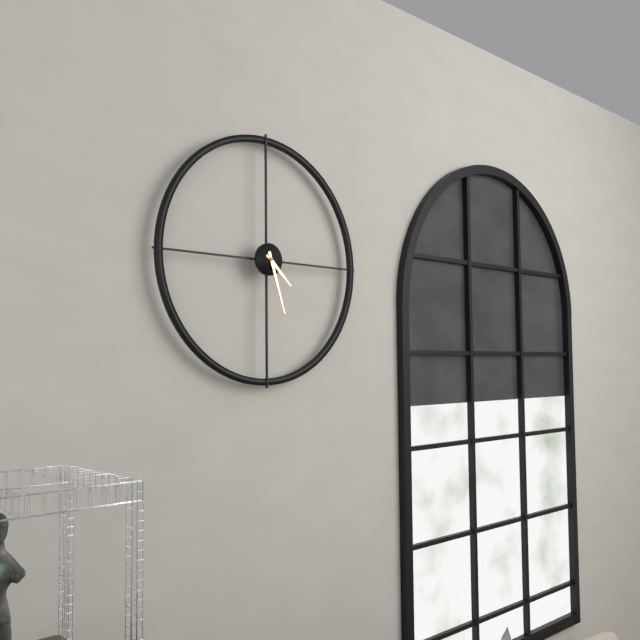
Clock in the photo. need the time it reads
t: 4:27
